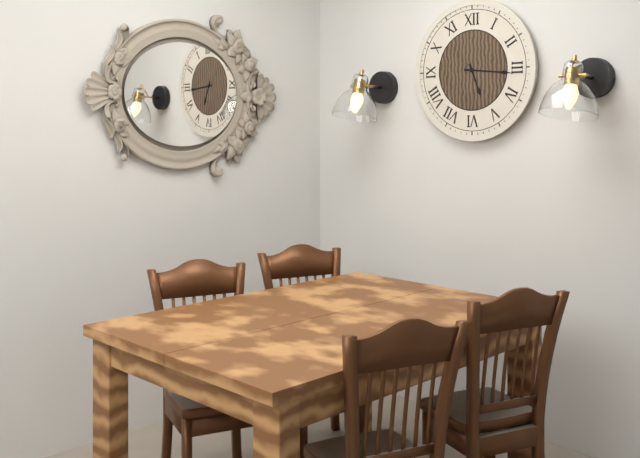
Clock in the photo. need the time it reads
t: 5:16
